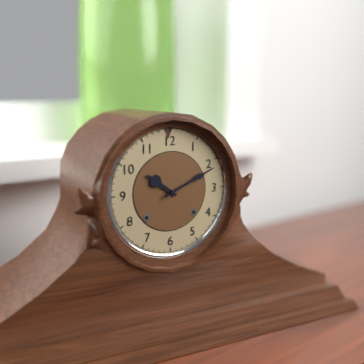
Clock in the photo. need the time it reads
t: 10:11
